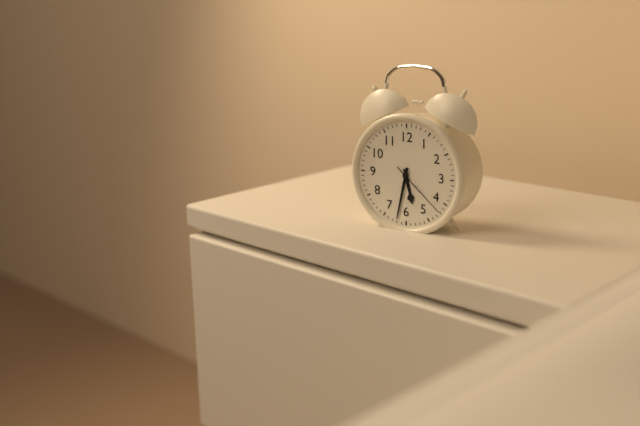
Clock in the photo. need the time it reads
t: 5:32:22
